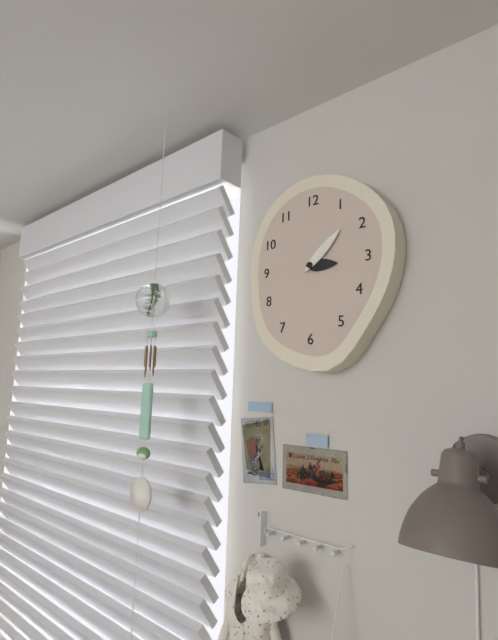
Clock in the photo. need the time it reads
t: 3:08
